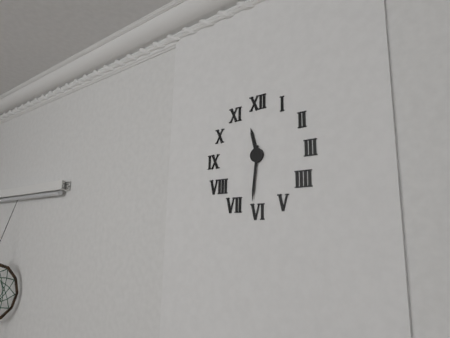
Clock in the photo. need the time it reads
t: 11:31
